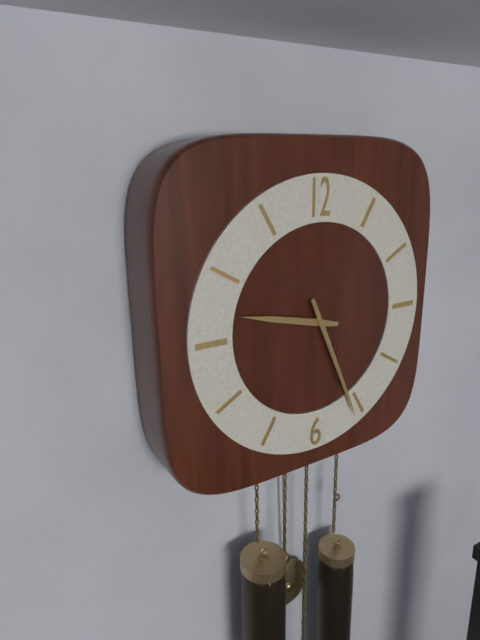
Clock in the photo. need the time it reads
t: 9:26
